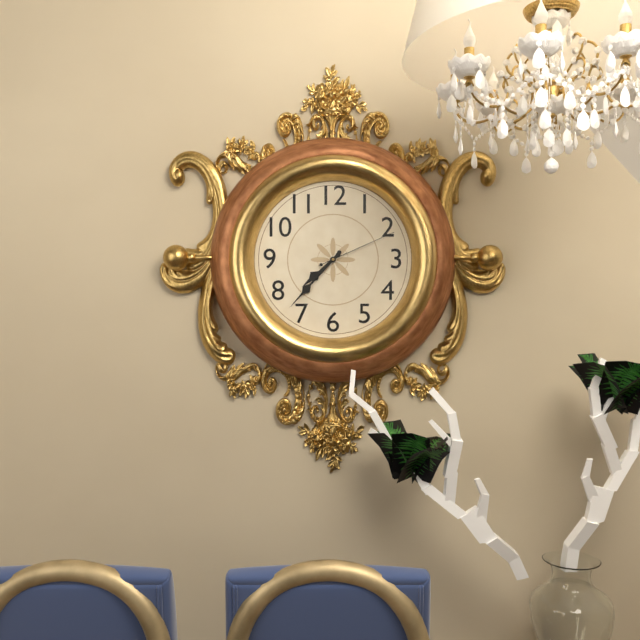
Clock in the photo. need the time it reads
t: 7:37:11
